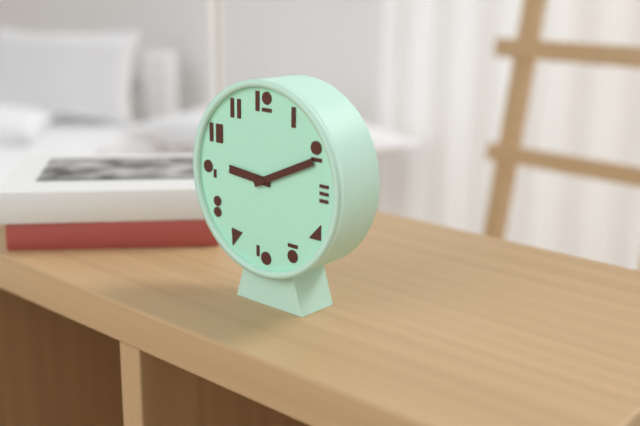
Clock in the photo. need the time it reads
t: 9:11
